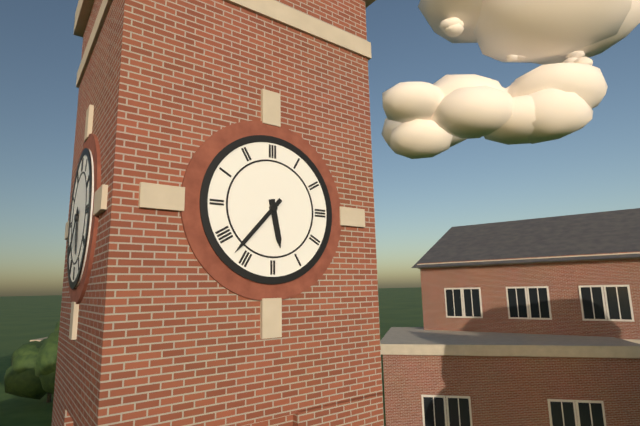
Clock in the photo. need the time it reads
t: 5:37
